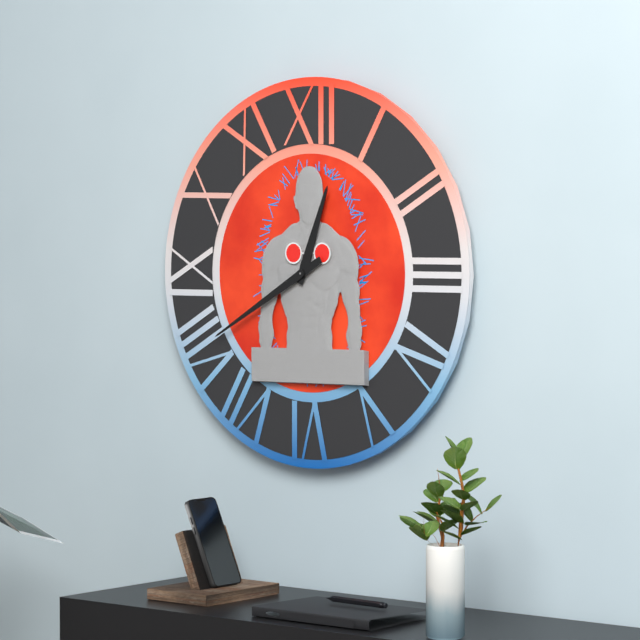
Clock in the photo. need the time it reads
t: 12:40
